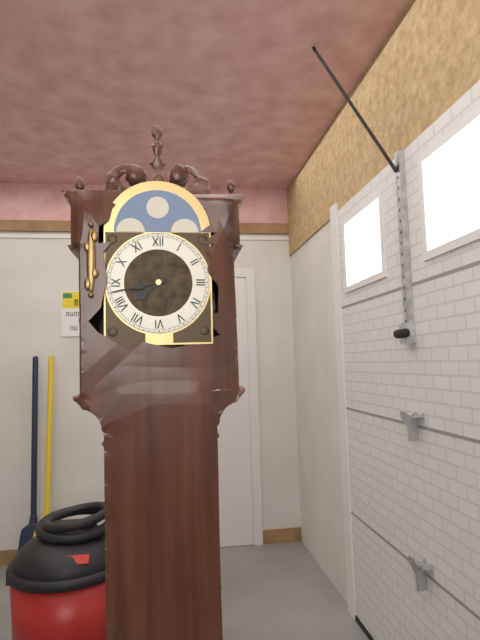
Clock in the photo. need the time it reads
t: 7:43
